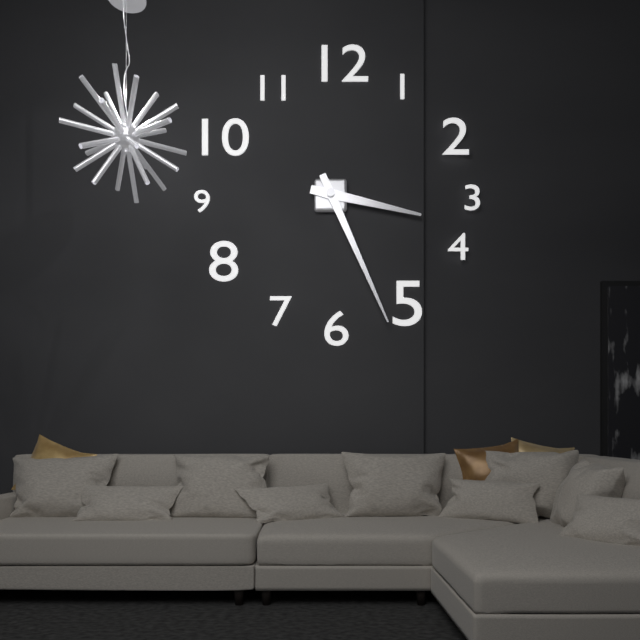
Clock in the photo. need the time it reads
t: 3:26
